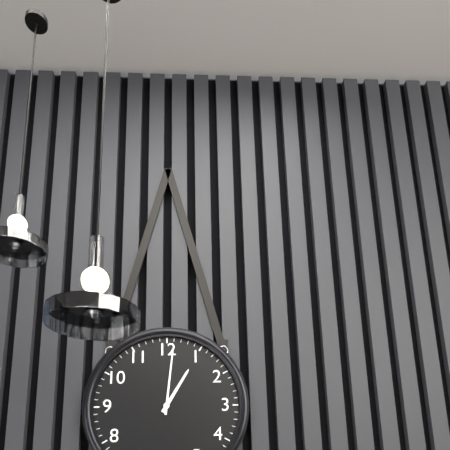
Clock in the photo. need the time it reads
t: 1:01
